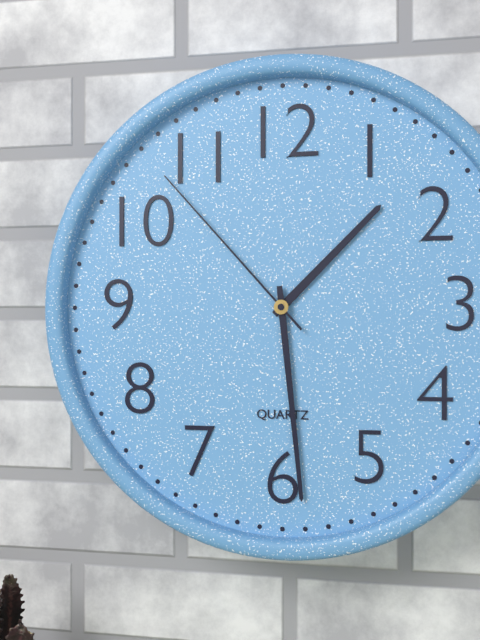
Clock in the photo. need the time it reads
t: 1:29:53
